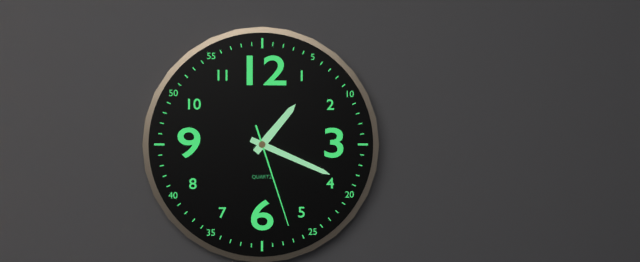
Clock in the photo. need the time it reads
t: 1:19:27
